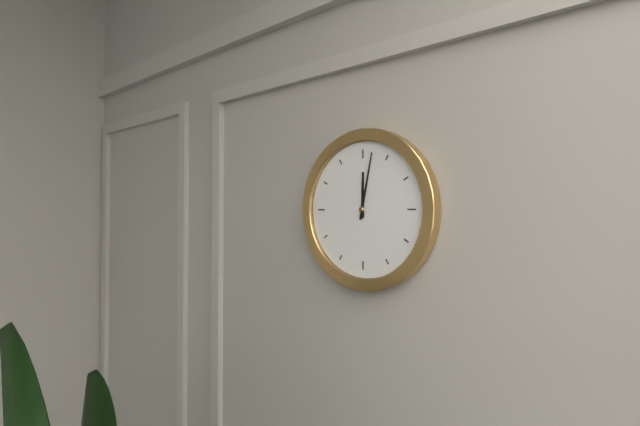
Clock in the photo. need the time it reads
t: 12:02
